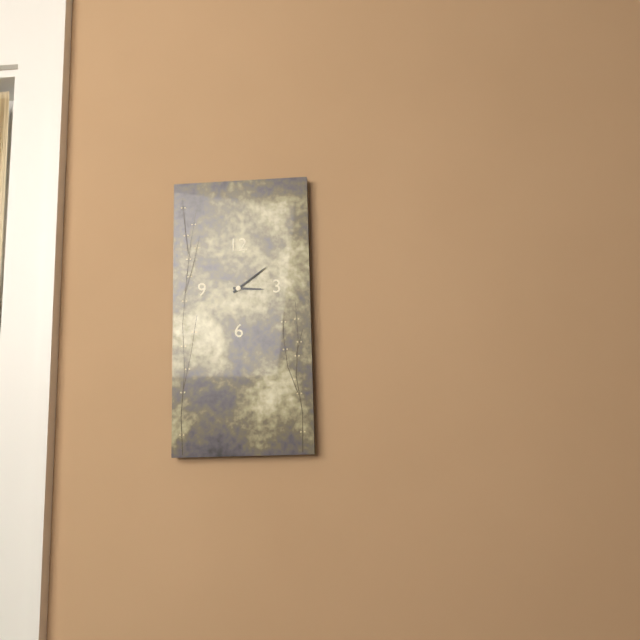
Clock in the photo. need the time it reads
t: 3:09
